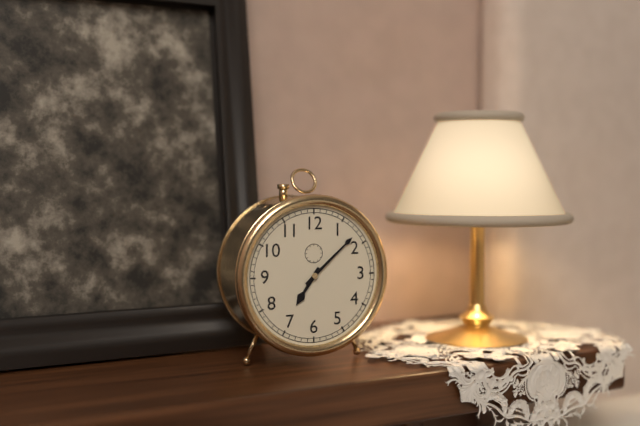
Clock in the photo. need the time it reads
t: 7:08
